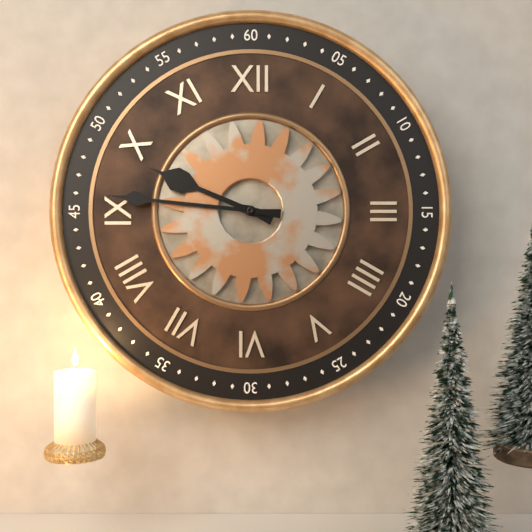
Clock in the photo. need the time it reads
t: 9:46
